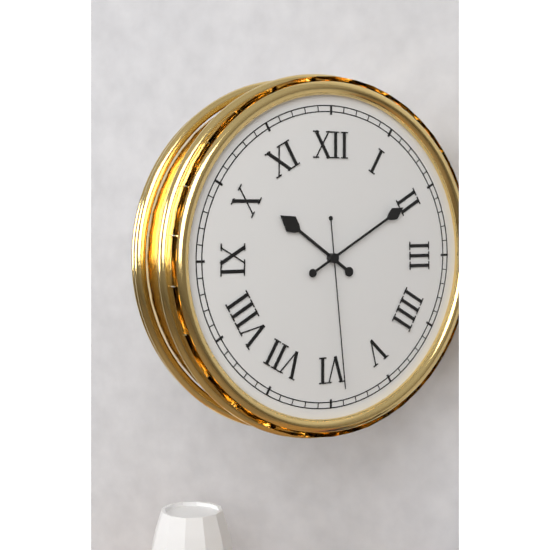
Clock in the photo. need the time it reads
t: 10:10:29
